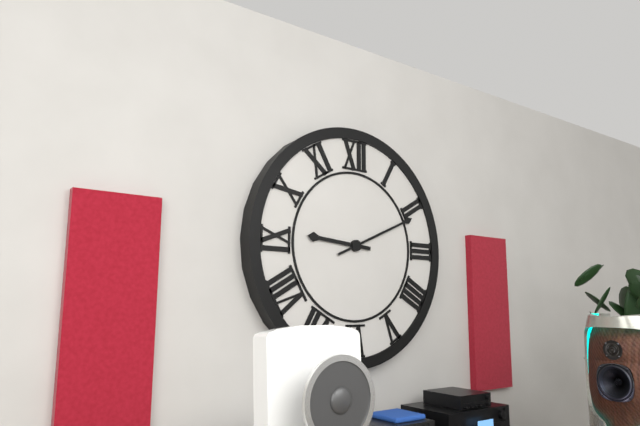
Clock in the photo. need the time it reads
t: 9:11
